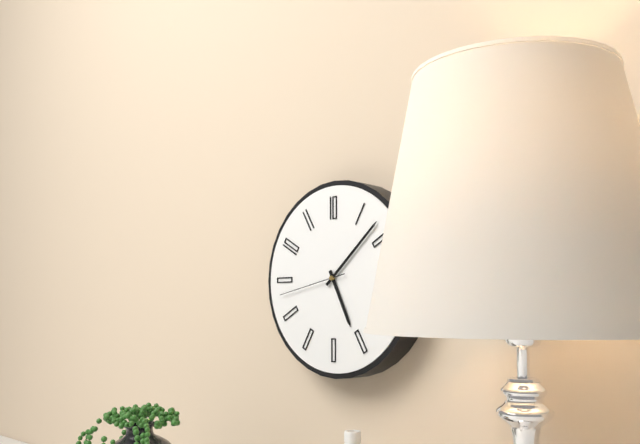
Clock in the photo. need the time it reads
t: 5:08:43
